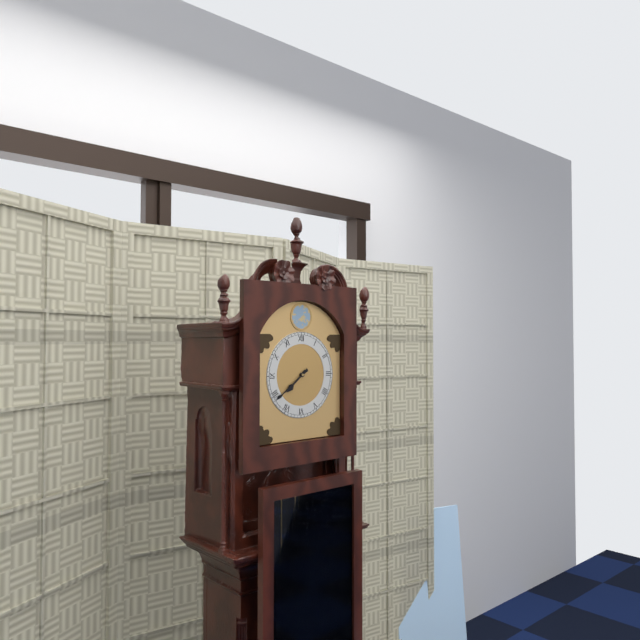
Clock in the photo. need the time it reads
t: 7:39
